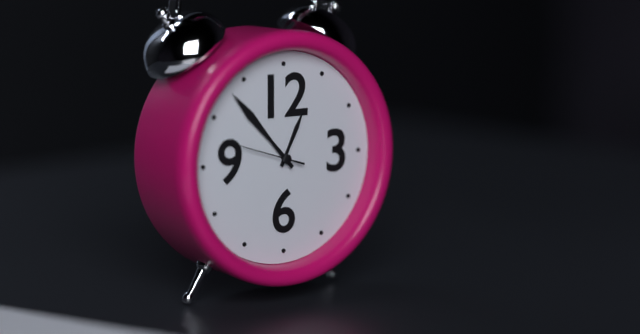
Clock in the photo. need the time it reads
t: 12:53:48
